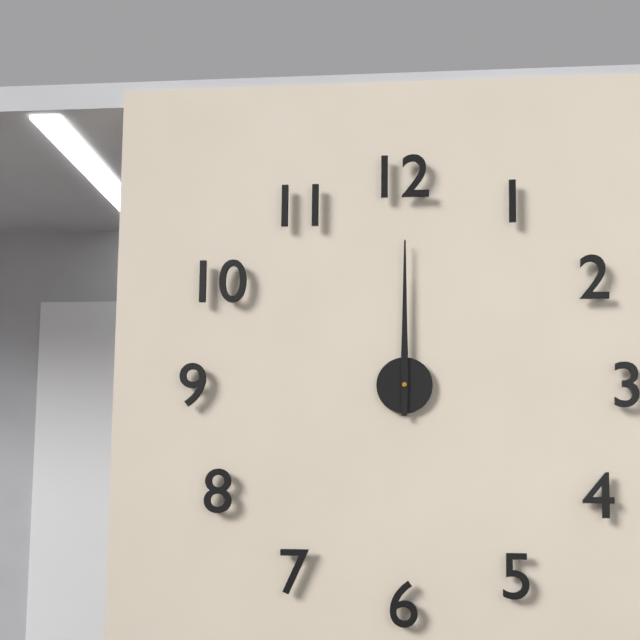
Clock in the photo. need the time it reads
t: 12:00
